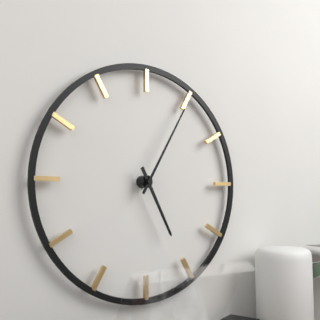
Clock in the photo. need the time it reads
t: 5:05
